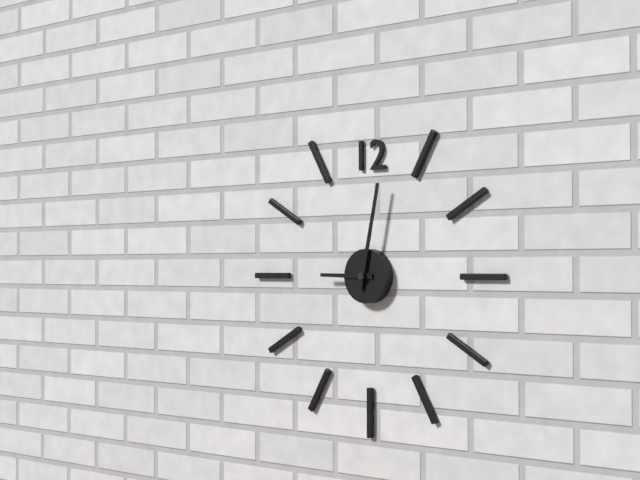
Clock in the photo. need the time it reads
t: 9:02
